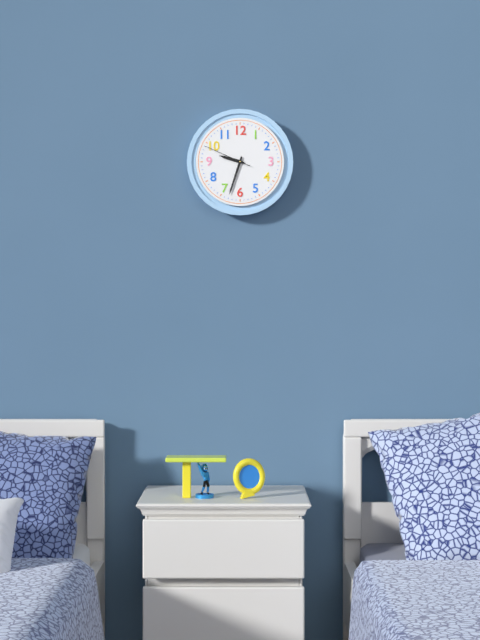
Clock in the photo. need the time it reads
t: 9:33
